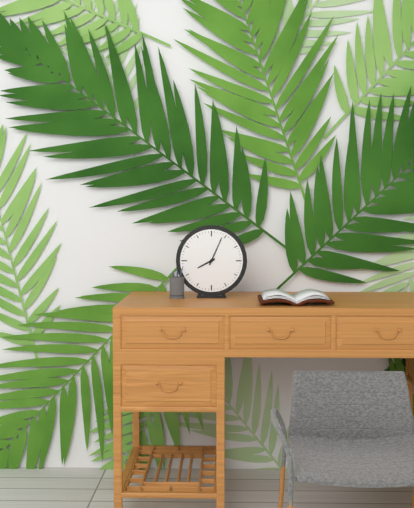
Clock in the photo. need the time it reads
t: 8:04
